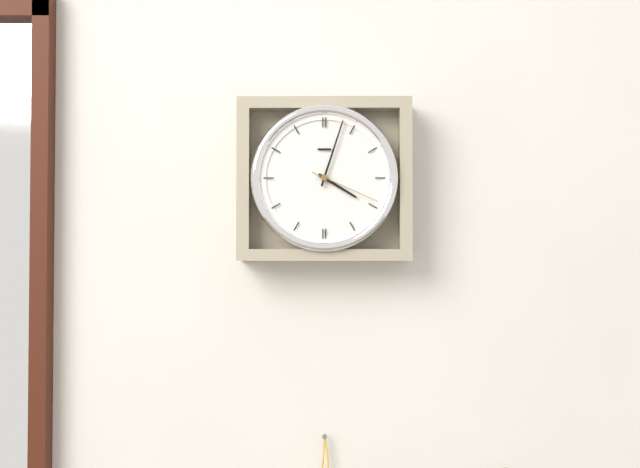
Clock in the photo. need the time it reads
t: 4:03:19
